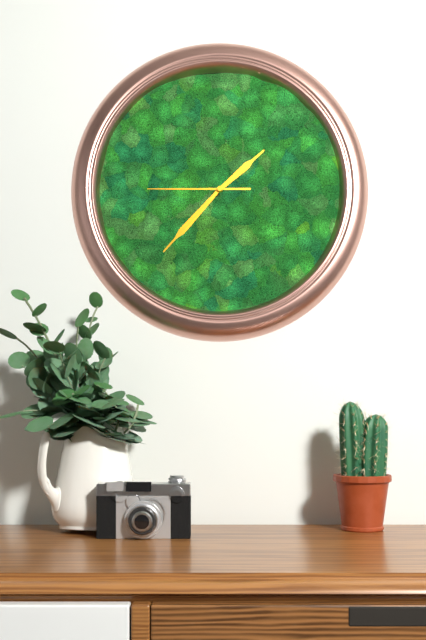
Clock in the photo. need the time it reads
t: 1:37:45
